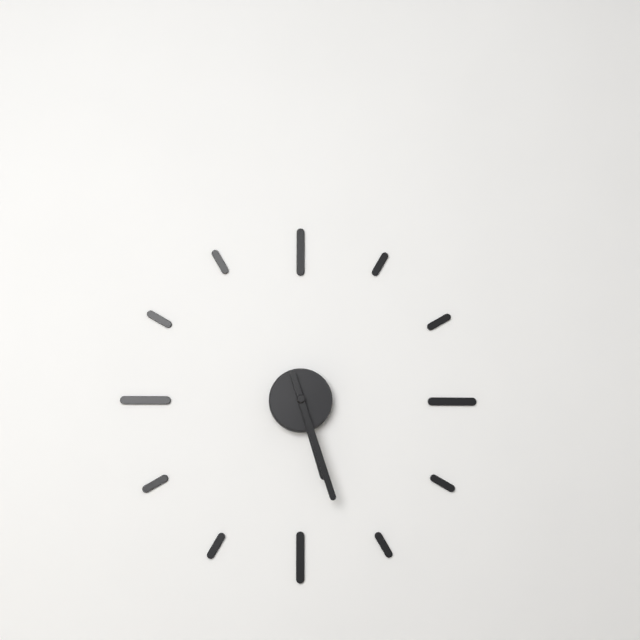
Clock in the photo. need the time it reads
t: 5:27
